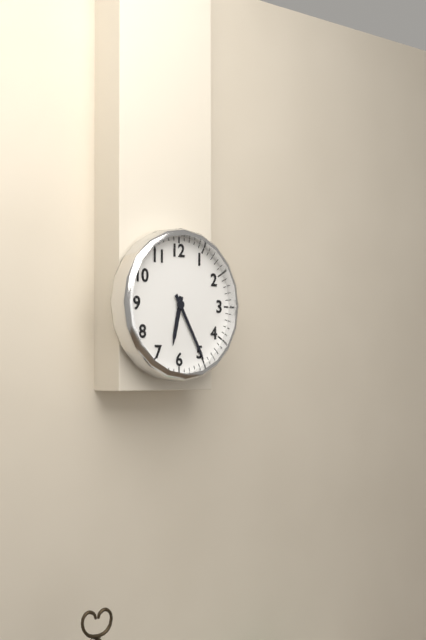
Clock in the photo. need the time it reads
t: 6:25
